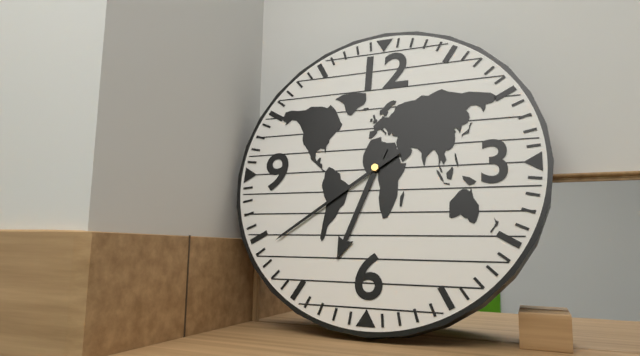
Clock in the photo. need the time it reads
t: 6:39
